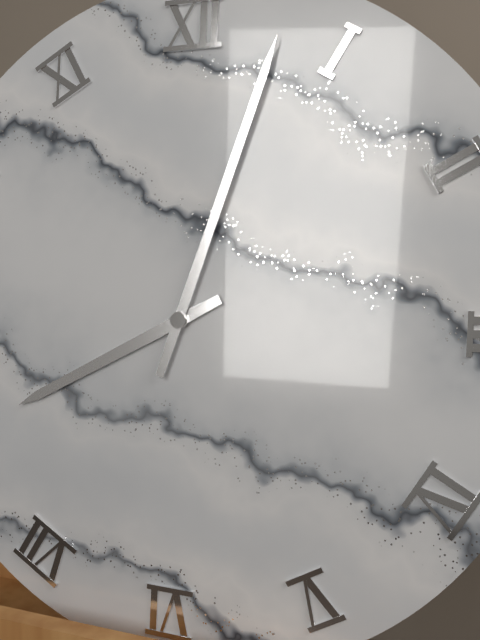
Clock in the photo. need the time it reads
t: 8:03
